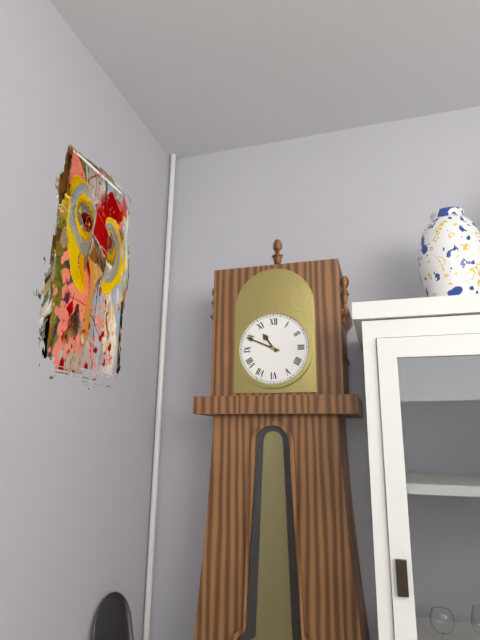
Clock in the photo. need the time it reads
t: 10:49
